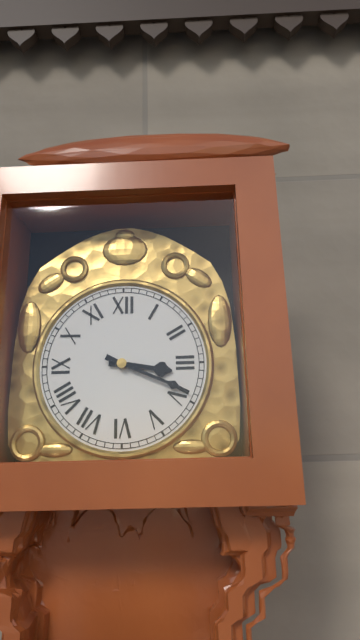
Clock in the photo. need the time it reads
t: 3:19
